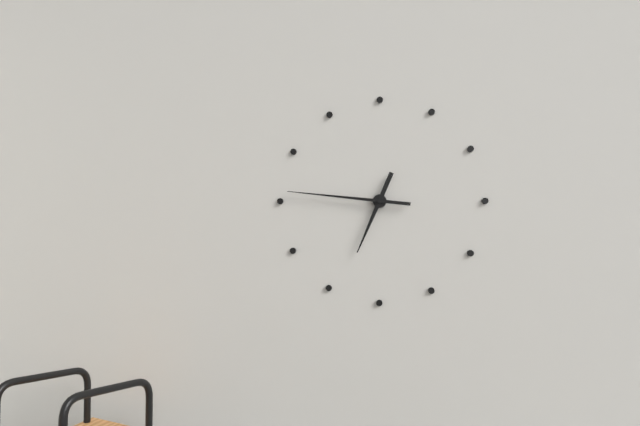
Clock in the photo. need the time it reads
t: 6:46
